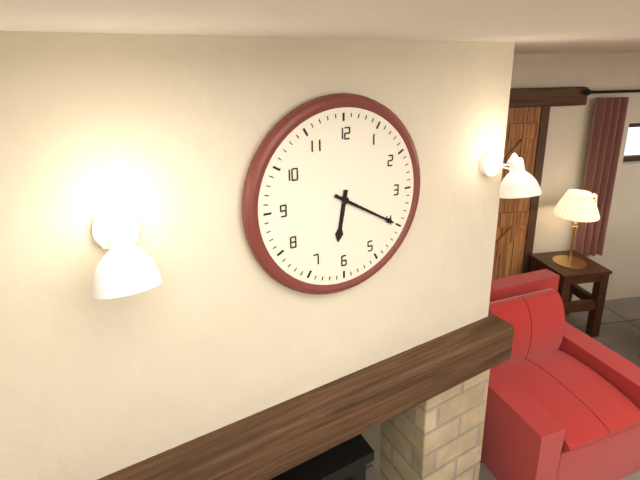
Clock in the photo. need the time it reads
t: 6:20
